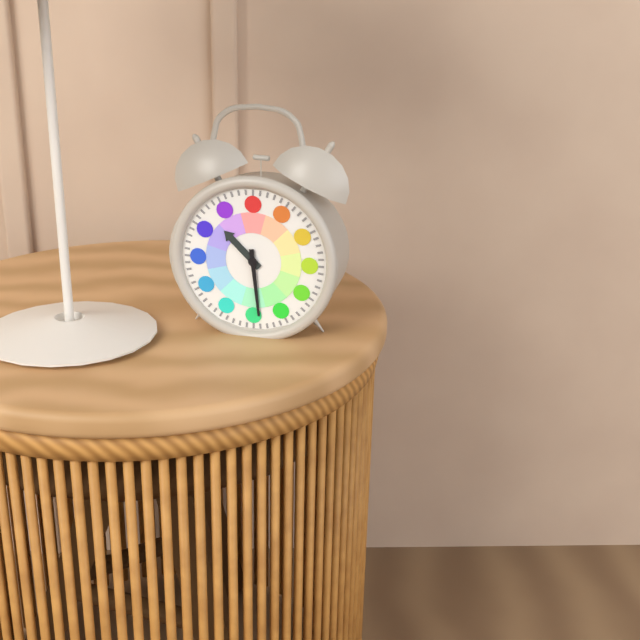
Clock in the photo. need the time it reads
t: 10:29
